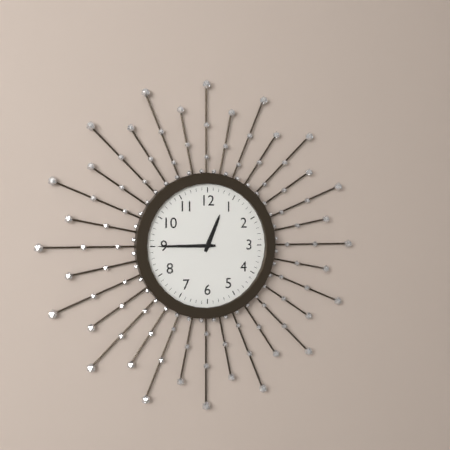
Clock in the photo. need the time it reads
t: 12:45
